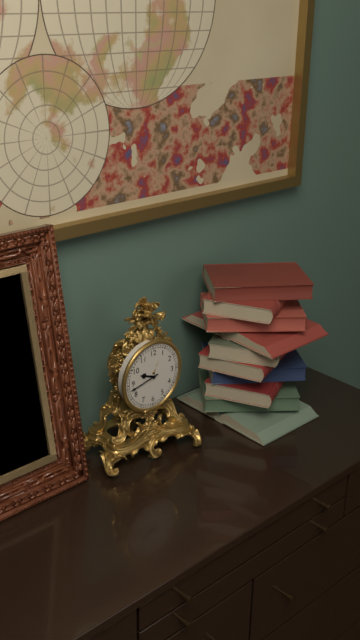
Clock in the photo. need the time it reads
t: 9:43
